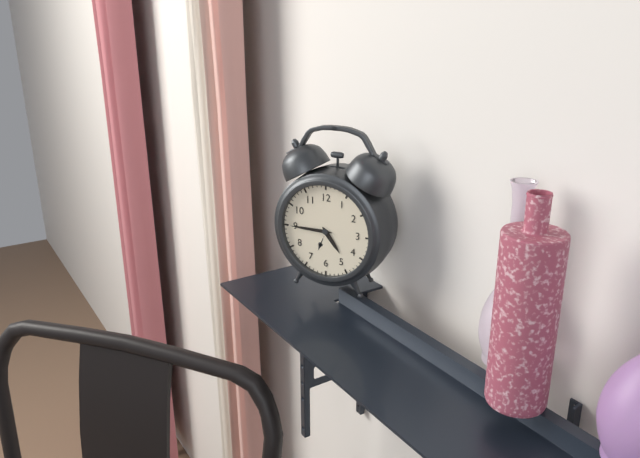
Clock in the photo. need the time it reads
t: 4:45
